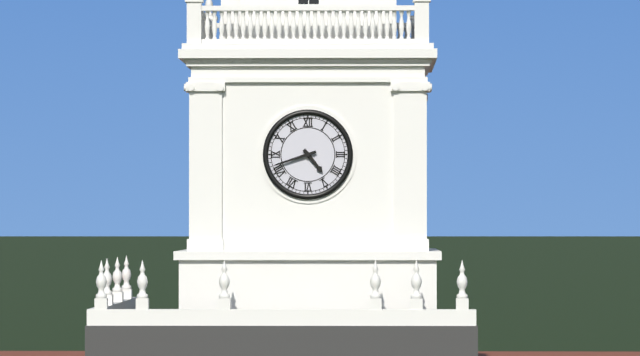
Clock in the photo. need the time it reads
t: 4:42
